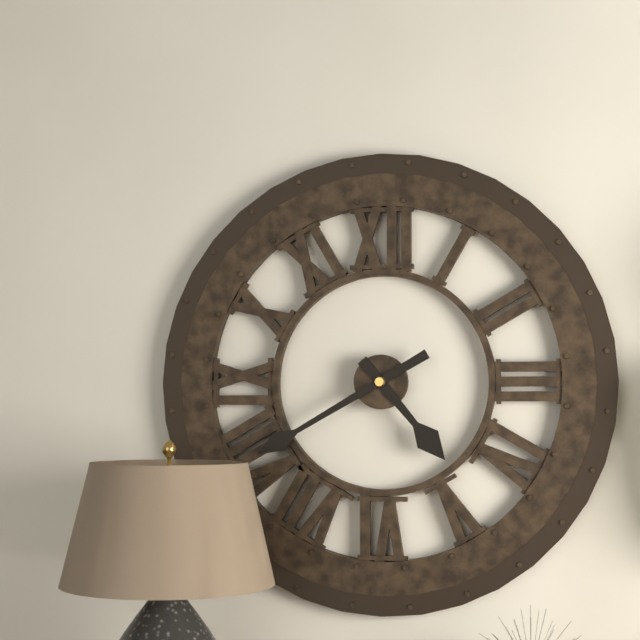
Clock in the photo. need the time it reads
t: 4:40
